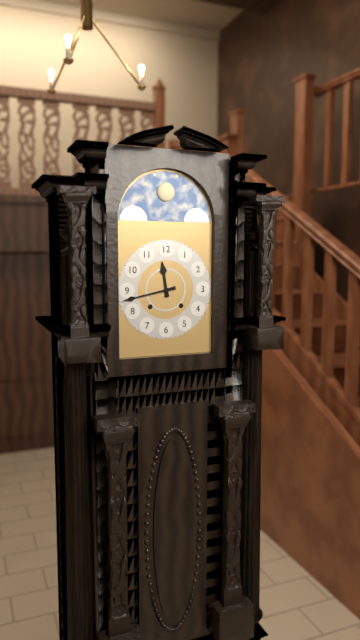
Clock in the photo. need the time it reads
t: 11:43
